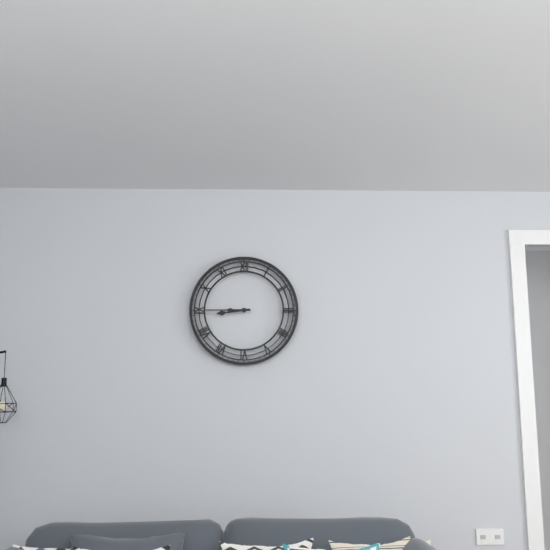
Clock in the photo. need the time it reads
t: 8:45
